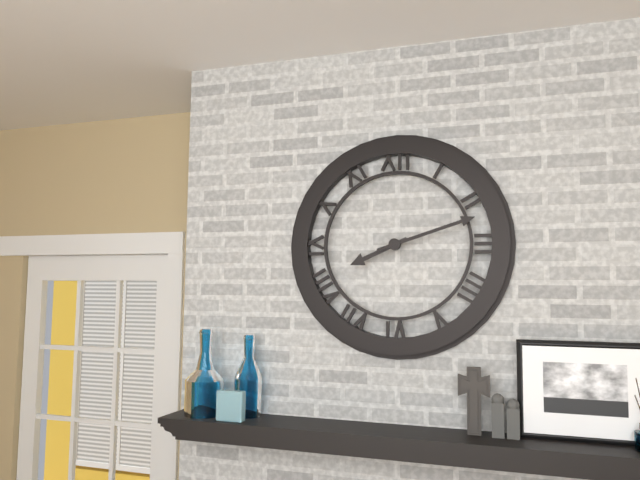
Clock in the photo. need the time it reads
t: 8:12
